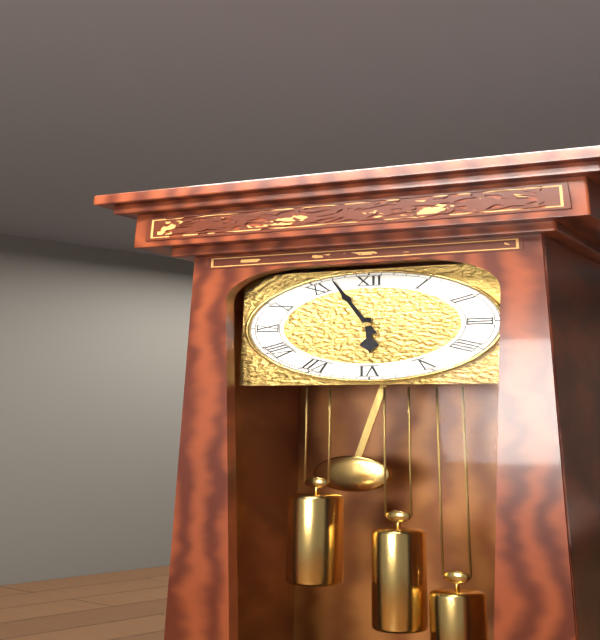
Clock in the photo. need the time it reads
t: 5:57
